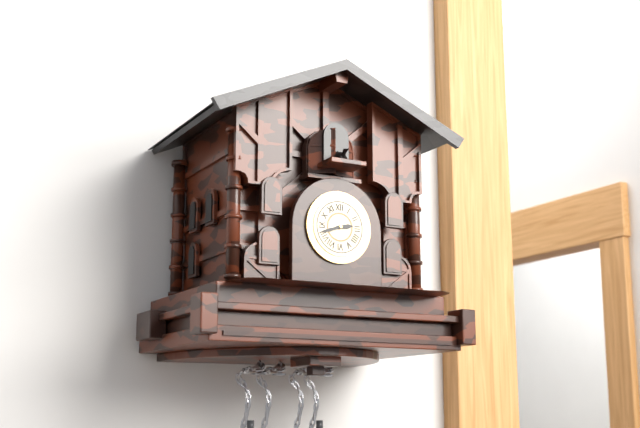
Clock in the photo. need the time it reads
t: 2:42
